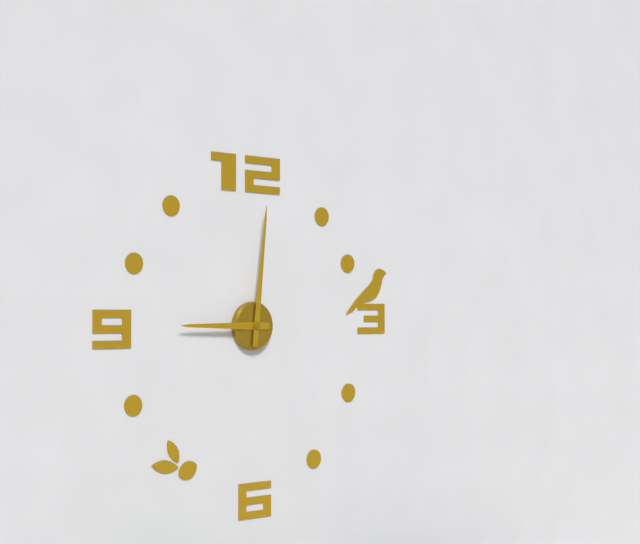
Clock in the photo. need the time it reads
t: 9:01
